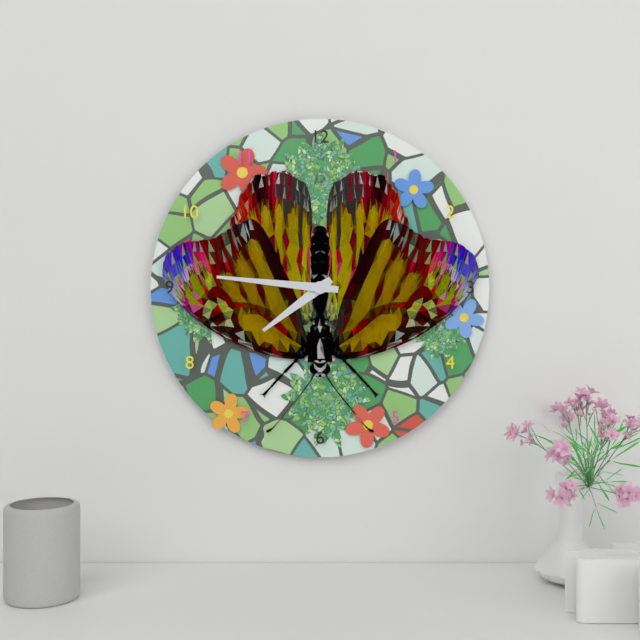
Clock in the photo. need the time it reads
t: 7:46
